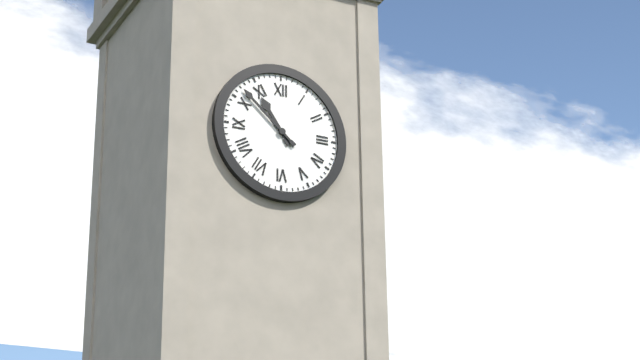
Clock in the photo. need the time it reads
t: 10:52
